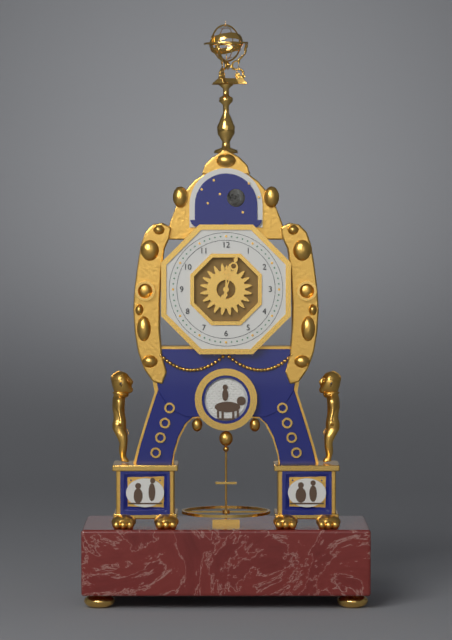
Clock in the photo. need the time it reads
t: 12:03
